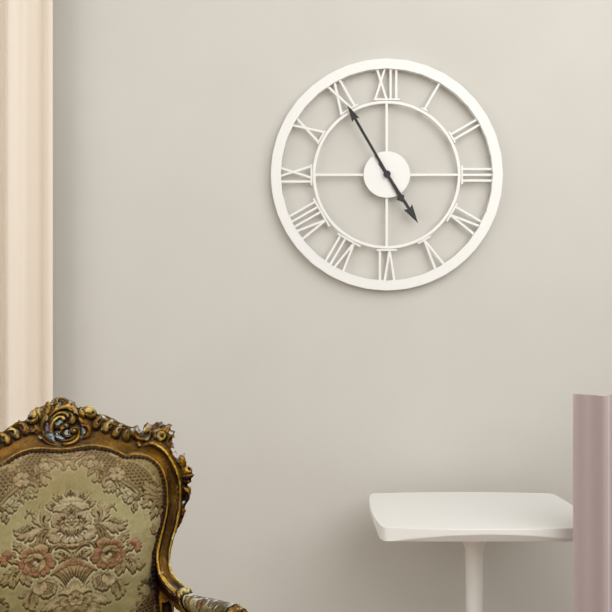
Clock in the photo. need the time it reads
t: 4:55
